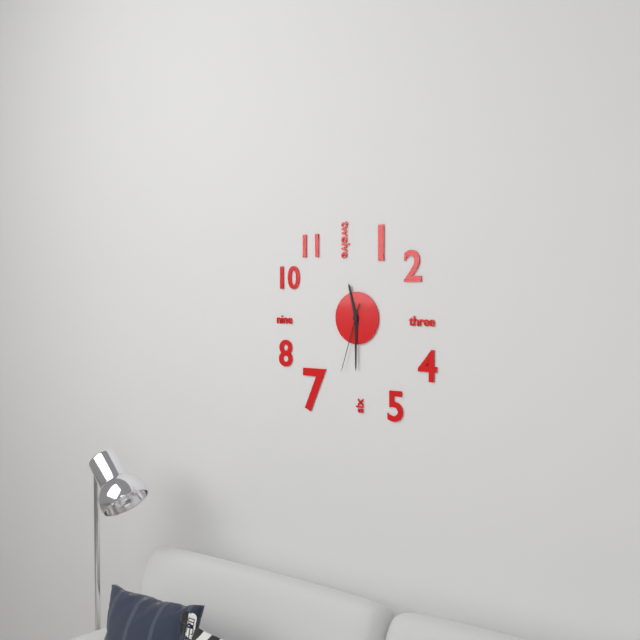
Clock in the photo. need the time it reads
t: 11:30:33
